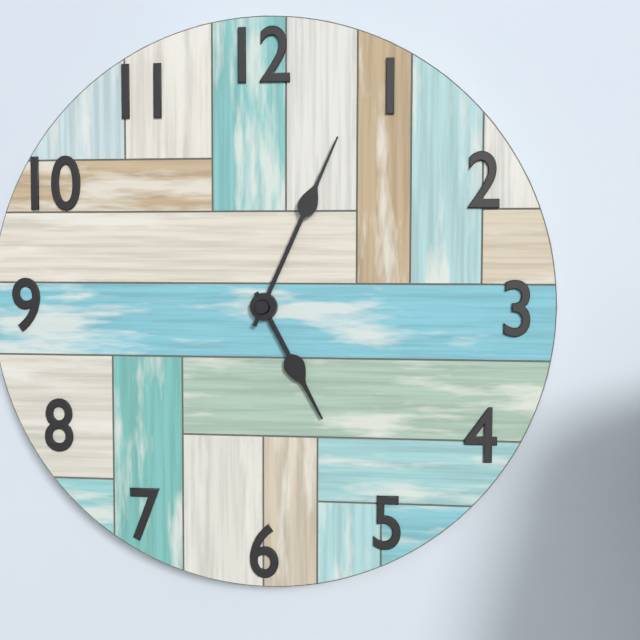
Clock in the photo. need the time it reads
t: 5:04
